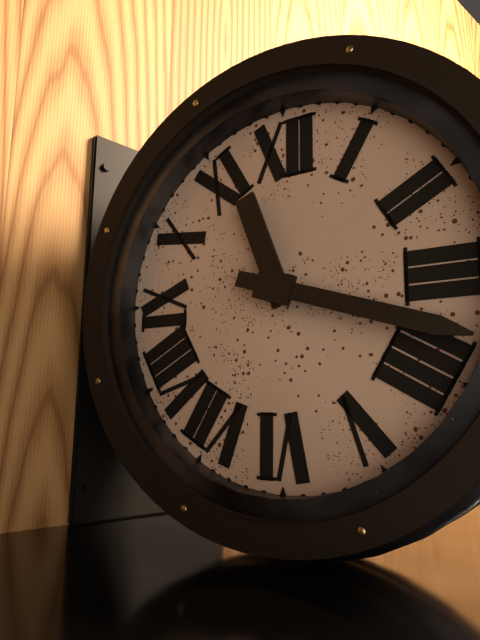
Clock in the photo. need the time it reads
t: 11:18
